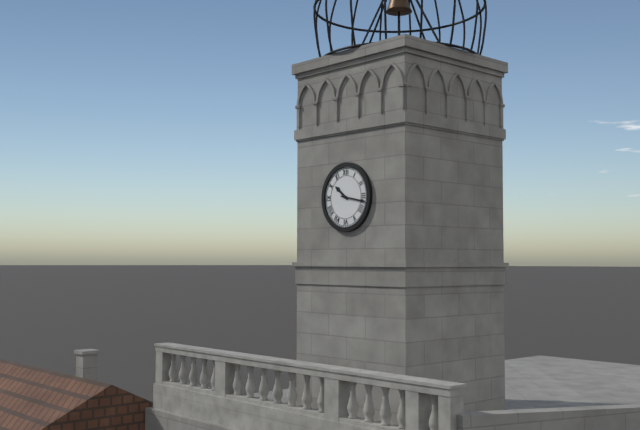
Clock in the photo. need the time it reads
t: 10:17
